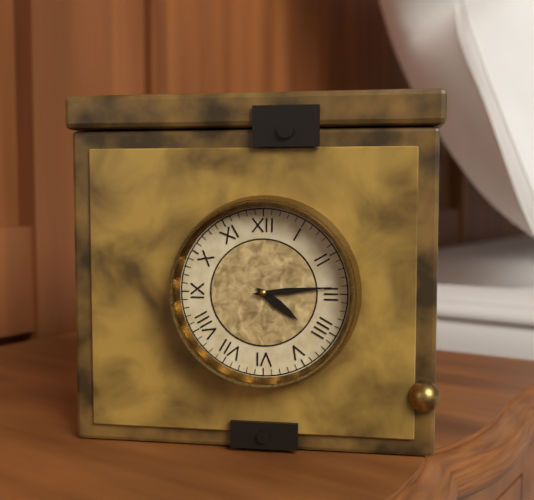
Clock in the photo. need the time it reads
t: 4:14
